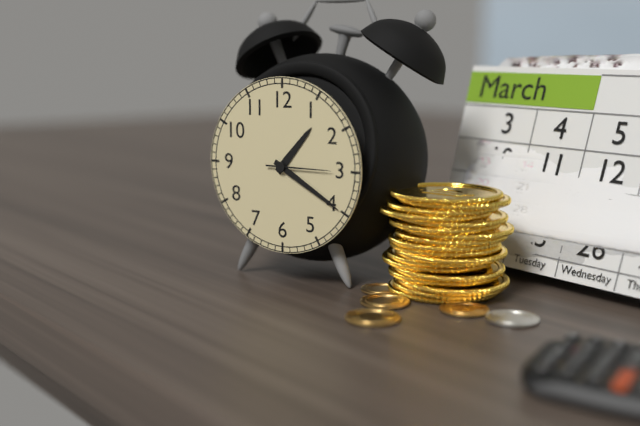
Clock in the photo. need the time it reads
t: 1:20:15
